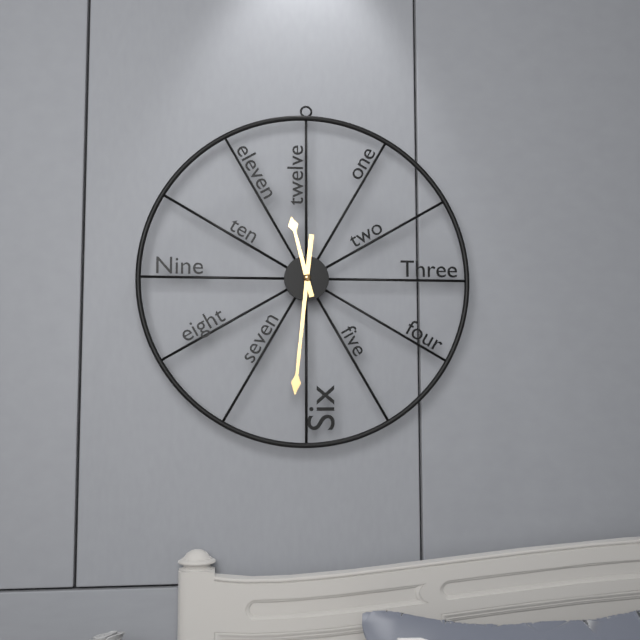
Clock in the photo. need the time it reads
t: 11:31
